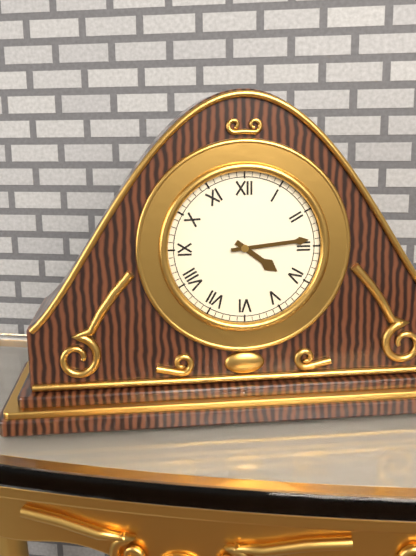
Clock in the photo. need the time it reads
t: 4:14
